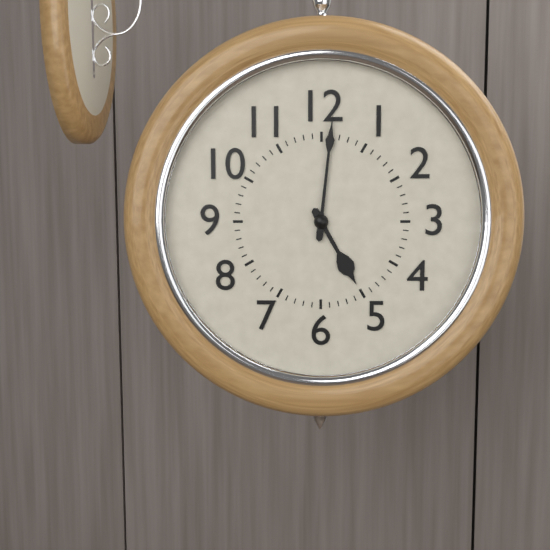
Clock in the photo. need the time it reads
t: 5:01
